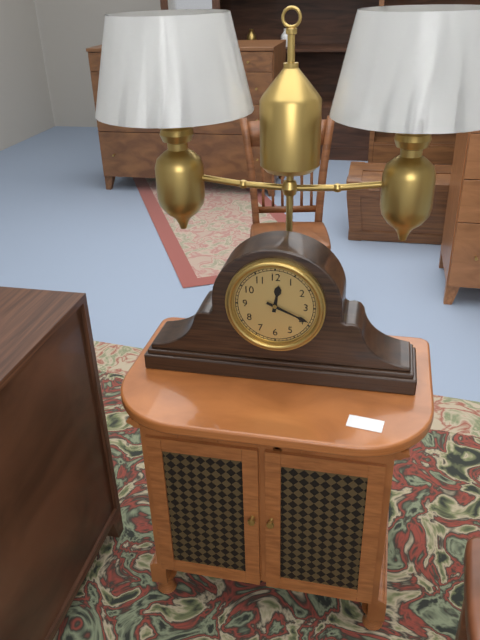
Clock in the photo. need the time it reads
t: 12:19
